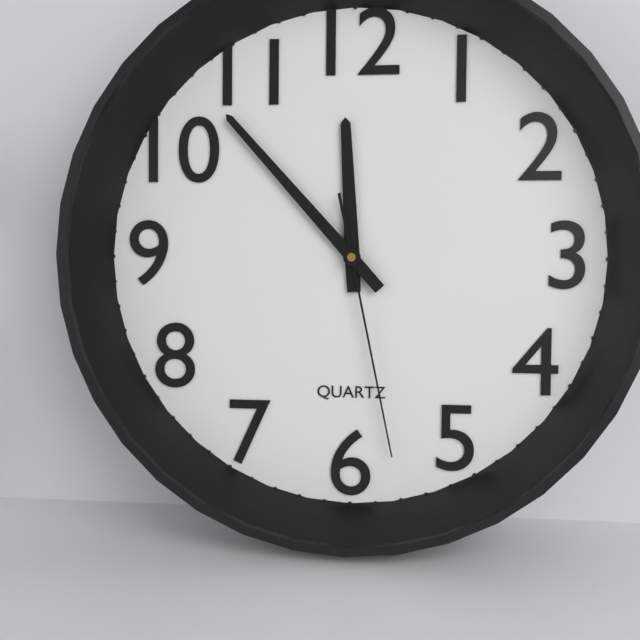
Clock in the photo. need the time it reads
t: 11:53:28
